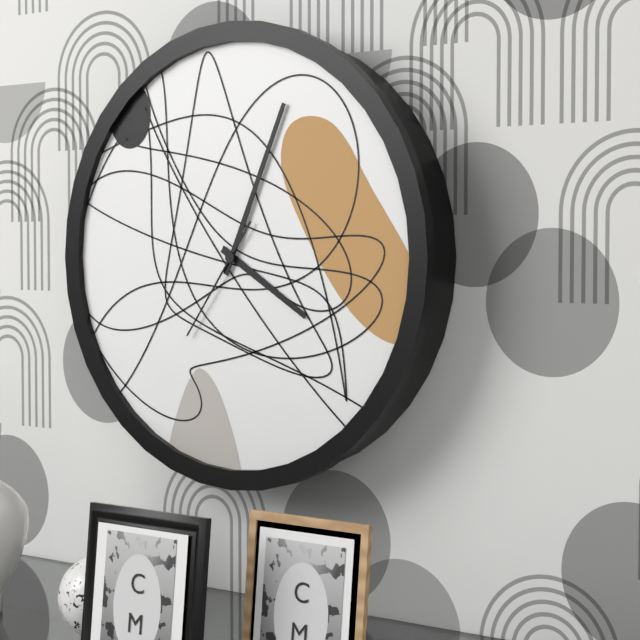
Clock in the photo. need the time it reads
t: 4:04:36
